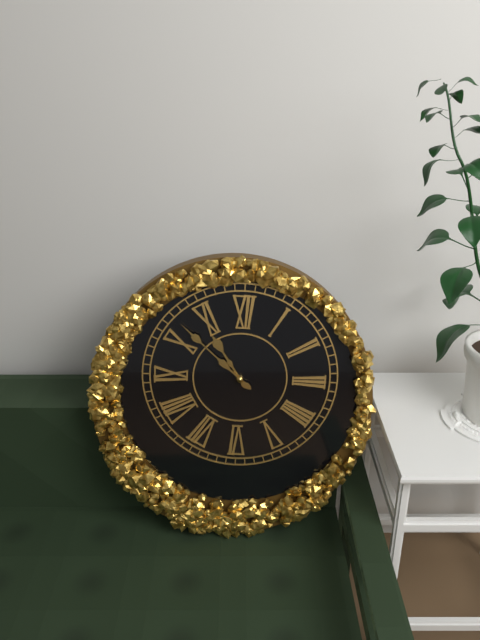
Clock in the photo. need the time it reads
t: 10:52
